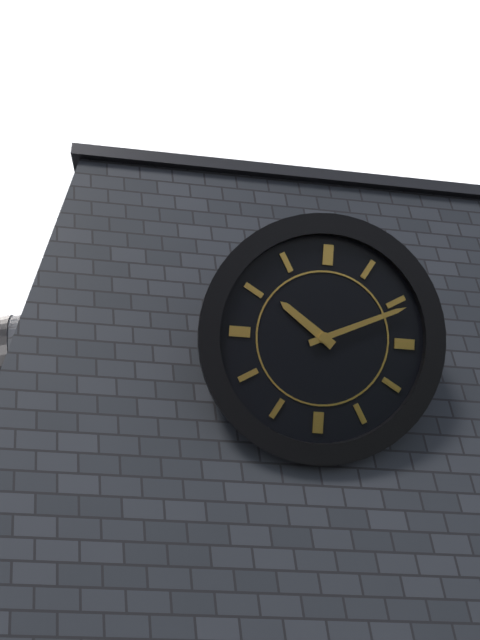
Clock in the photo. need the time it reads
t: 10:11
